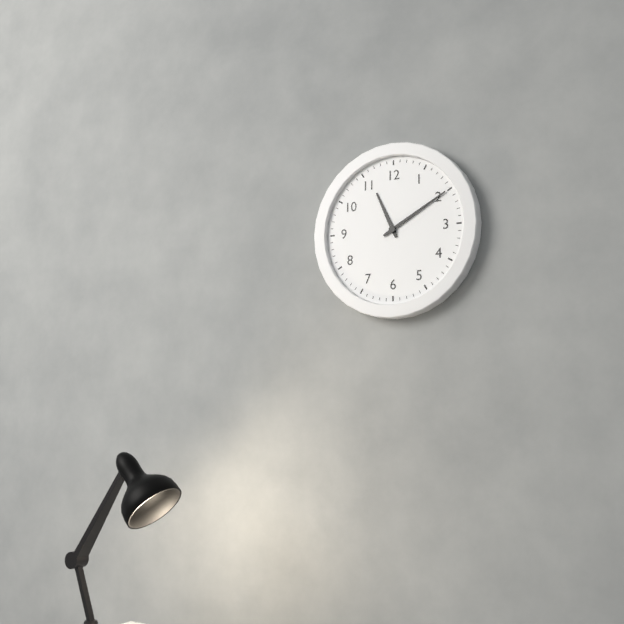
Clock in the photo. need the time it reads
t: 11:10
